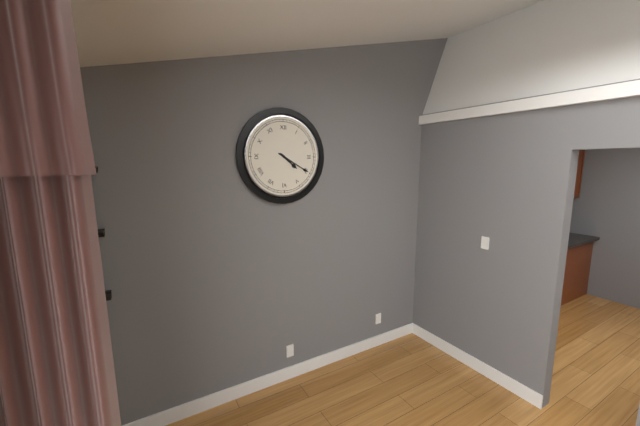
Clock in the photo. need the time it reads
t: 4:20
